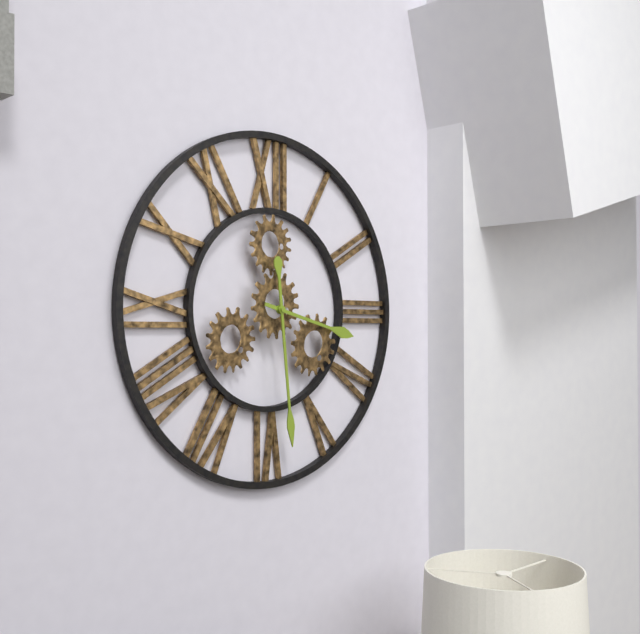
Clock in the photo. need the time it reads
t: 3:29
